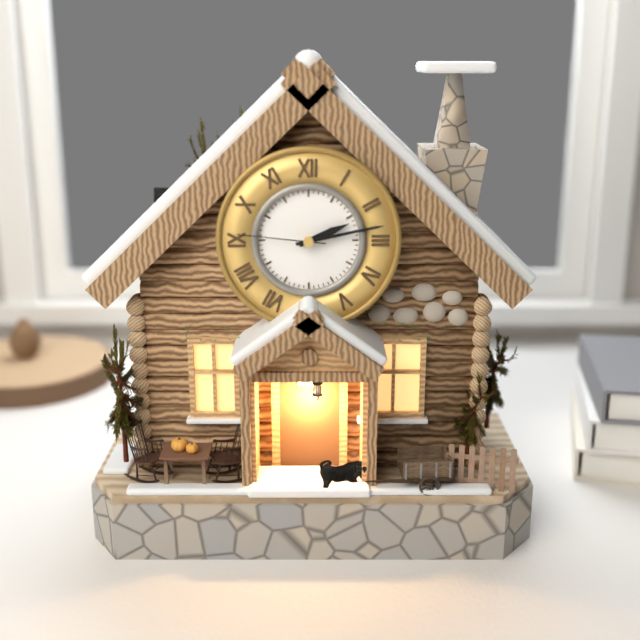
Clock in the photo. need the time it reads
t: 2:13:46
